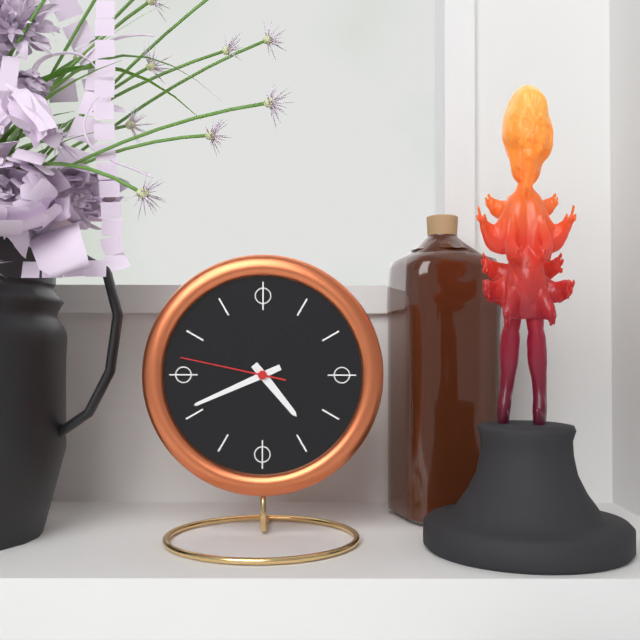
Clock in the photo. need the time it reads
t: 4:41:47
